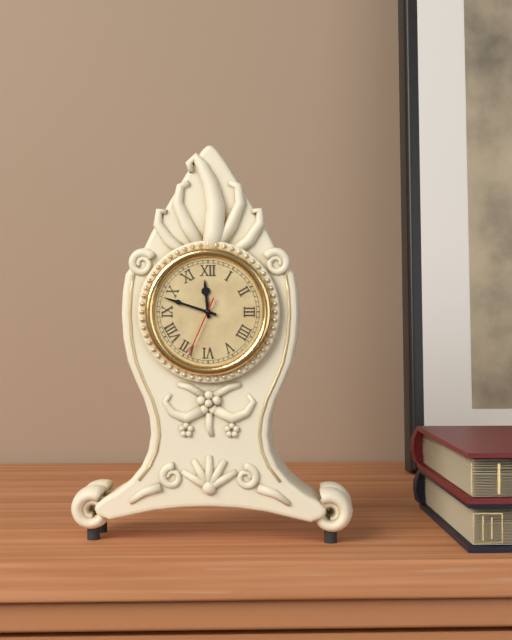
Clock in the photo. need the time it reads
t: 11:48:34
